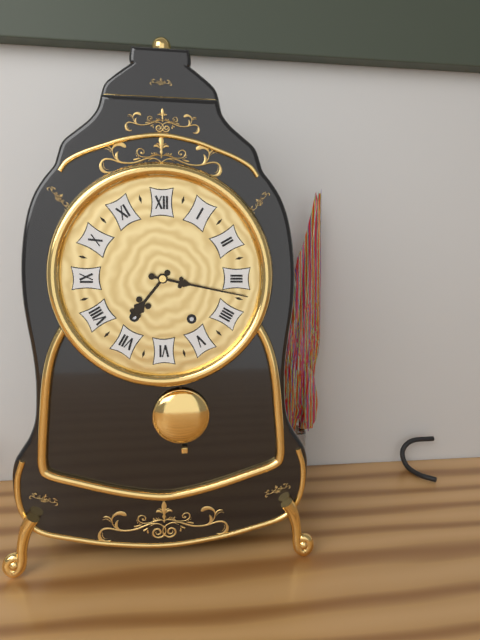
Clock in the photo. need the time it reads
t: 7:17
